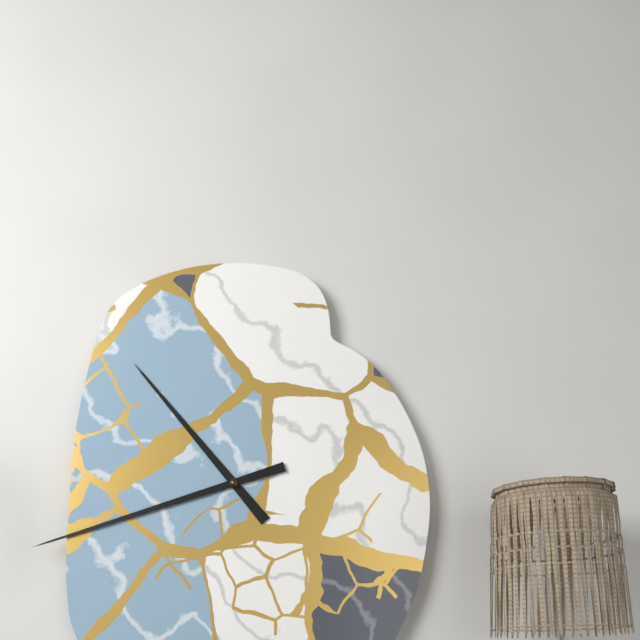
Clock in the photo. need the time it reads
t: 10:42
